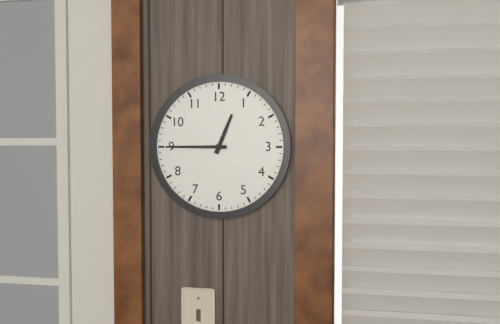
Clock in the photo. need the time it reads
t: 12:45
